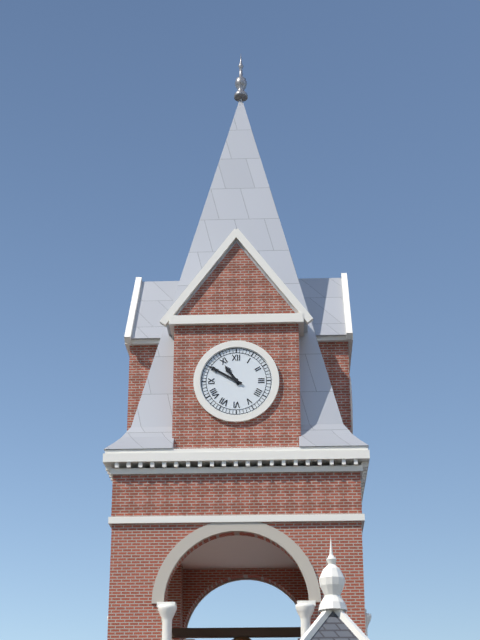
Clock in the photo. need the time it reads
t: 10:50
